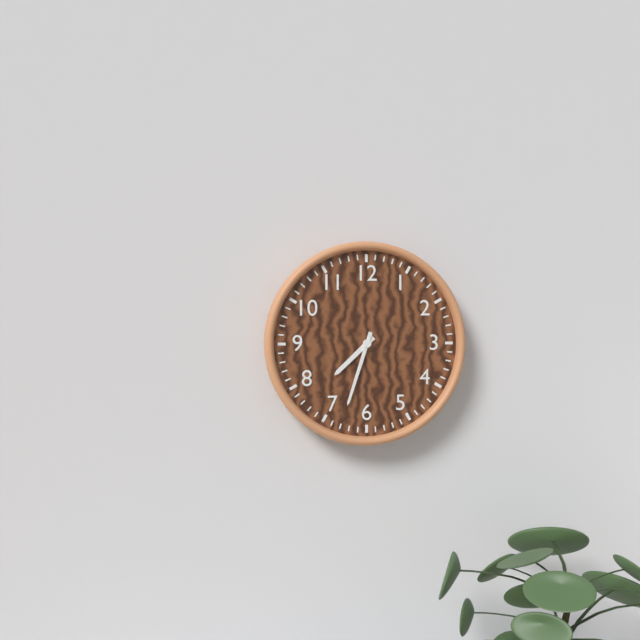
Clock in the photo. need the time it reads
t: 7:33
